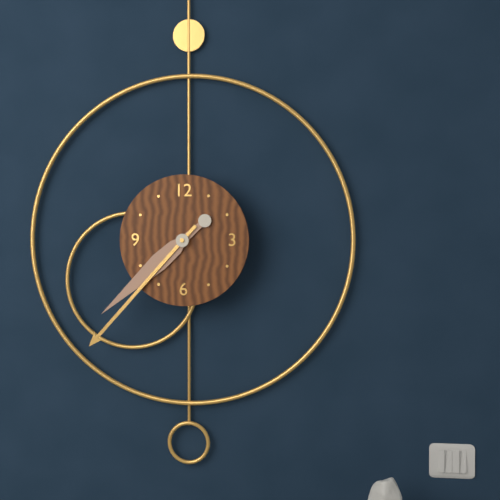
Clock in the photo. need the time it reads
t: 7:37
